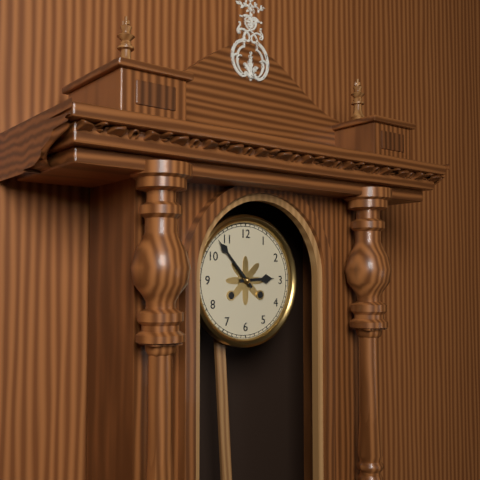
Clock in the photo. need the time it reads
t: 2:53
